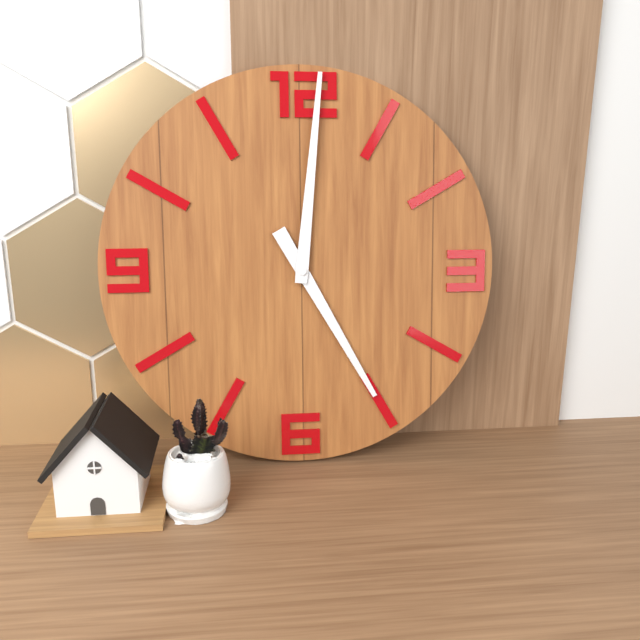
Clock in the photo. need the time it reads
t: 5:01
